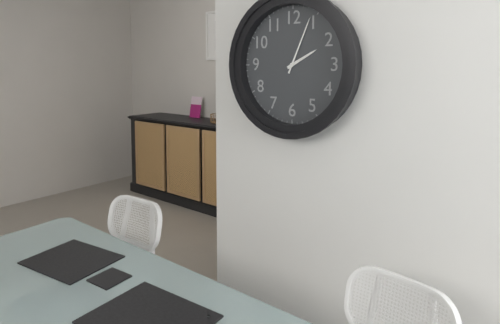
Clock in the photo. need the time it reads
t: 2:04
